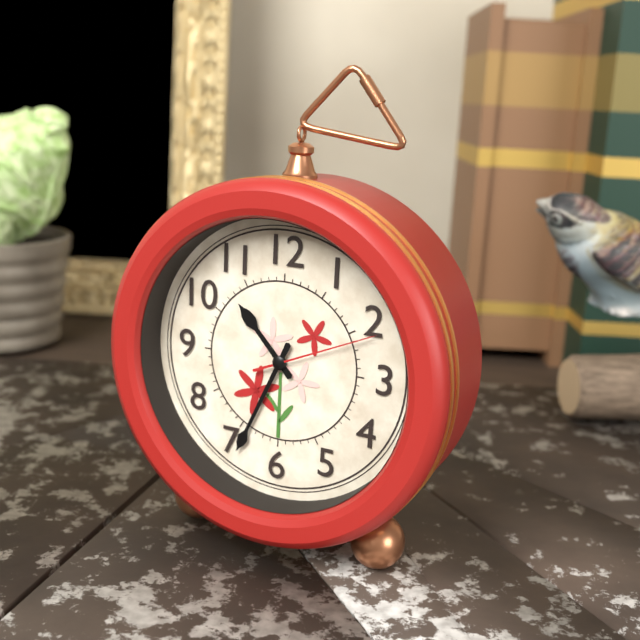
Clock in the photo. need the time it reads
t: 10:34:11
